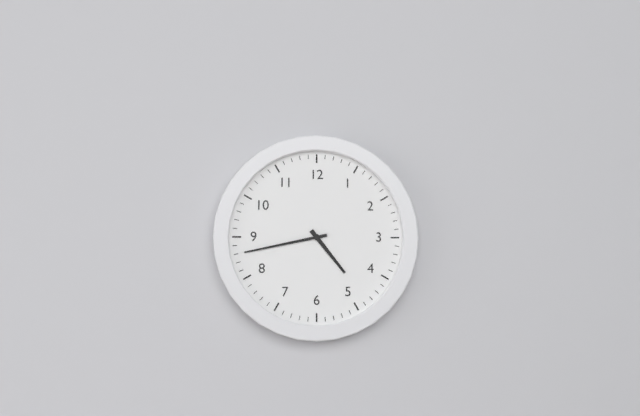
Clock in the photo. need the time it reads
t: 4:43
